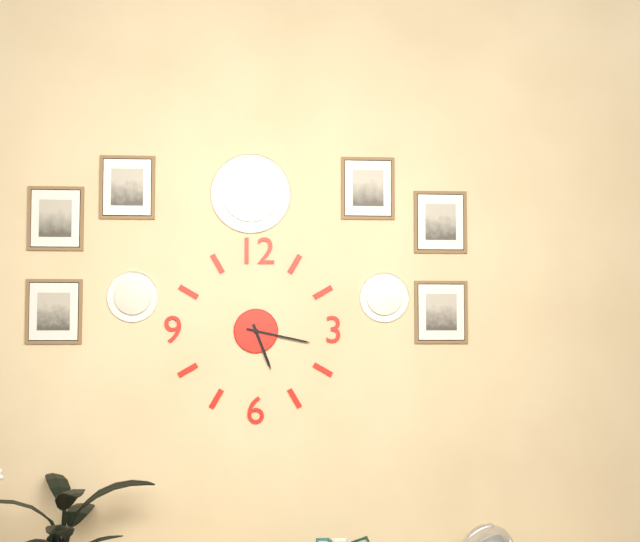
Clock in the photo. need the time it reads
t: 5:17
